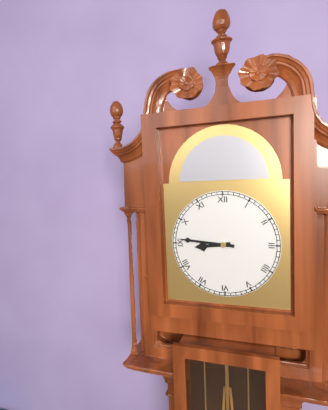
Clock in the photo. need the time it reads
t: 8:46
